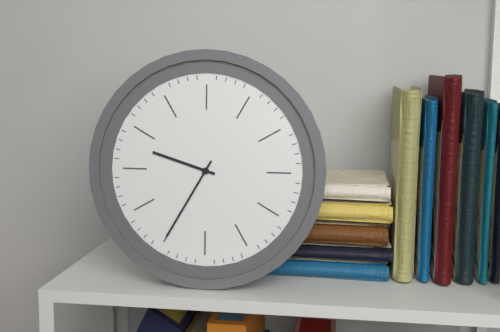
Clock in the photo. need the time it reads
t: 9:35
